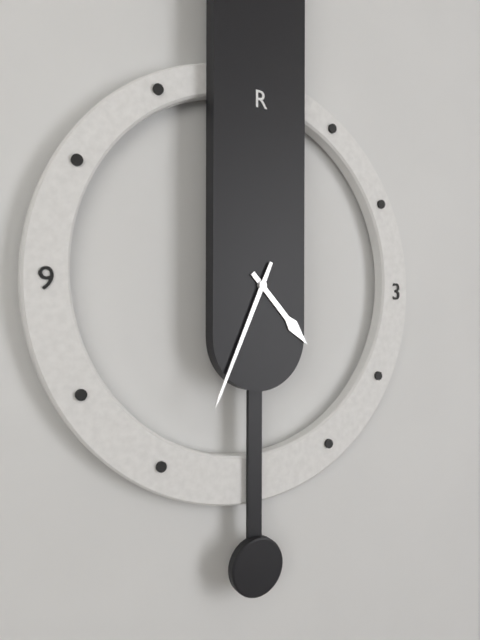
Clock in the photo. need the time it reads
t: 4:34
